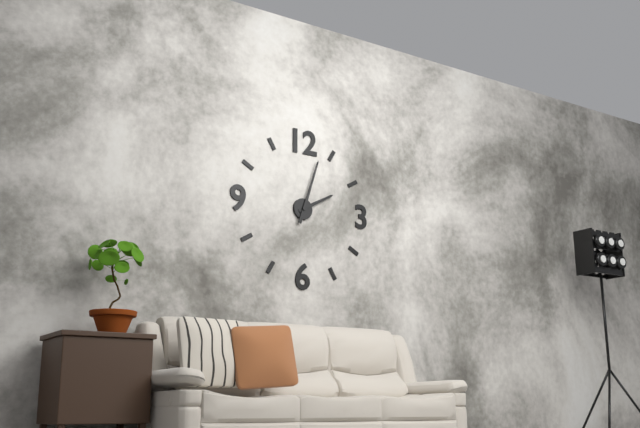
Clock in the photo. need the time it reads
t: 2:03
